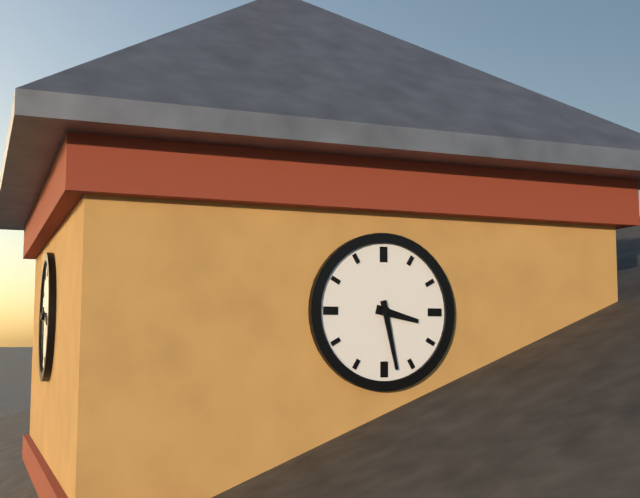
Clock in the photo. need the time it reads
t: 3:28
